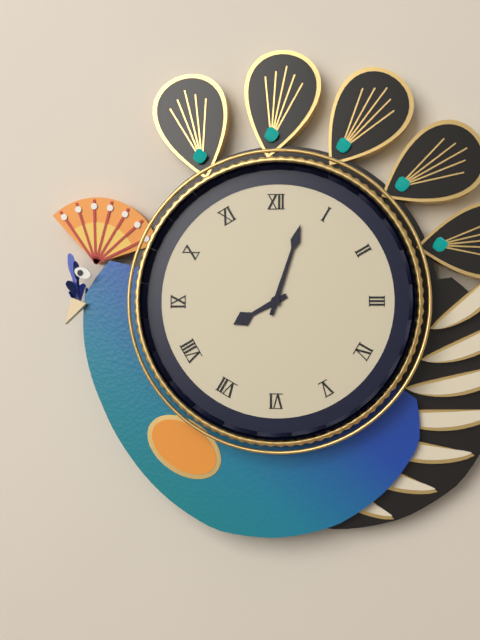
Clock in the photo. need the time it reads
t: 8:03
